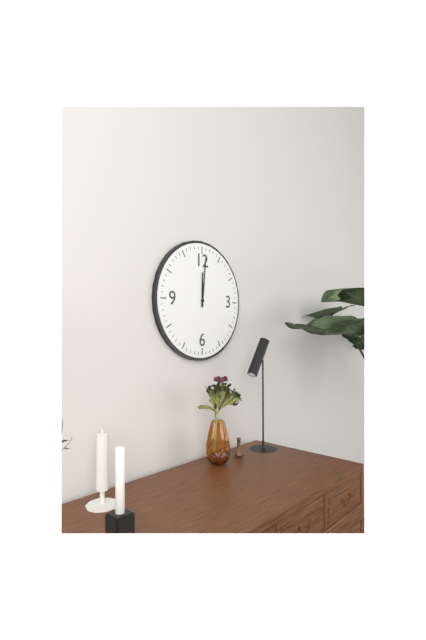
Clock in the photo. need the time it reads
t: 12:01
